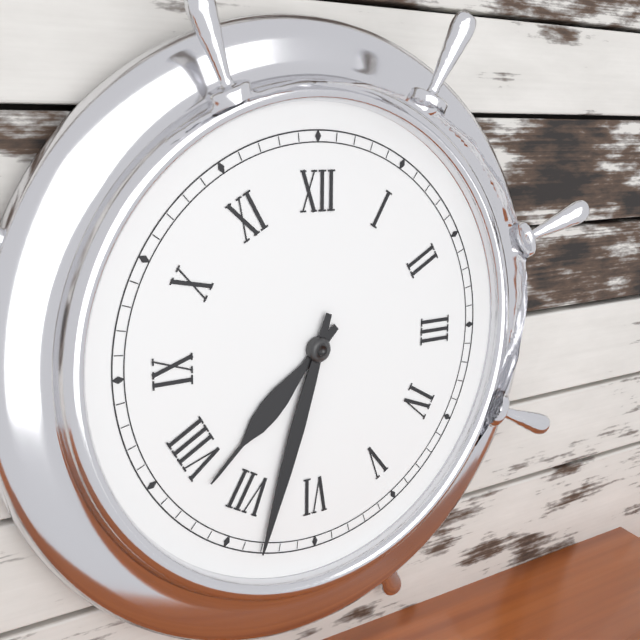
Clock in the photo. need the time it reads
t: 7:33
